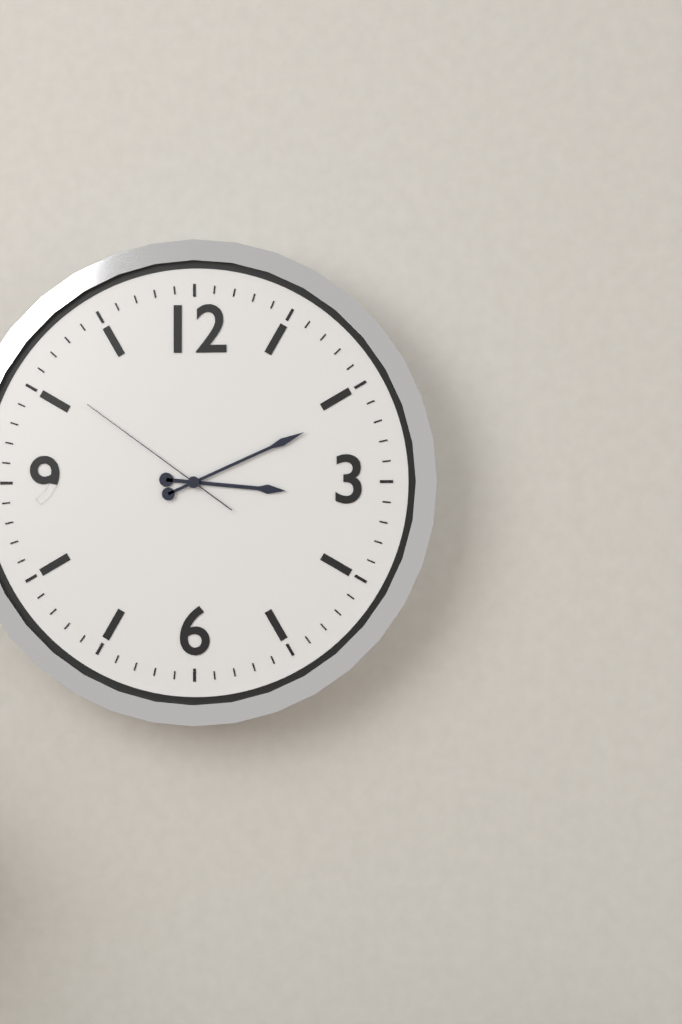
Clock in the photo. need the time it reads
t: 3:11:51
